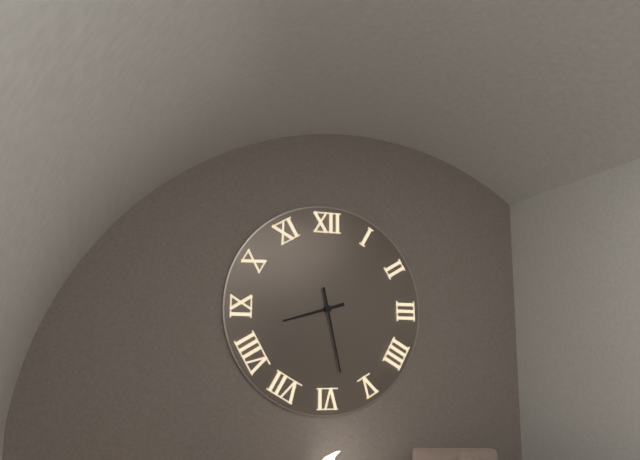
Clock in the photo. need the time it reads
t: 8:28
